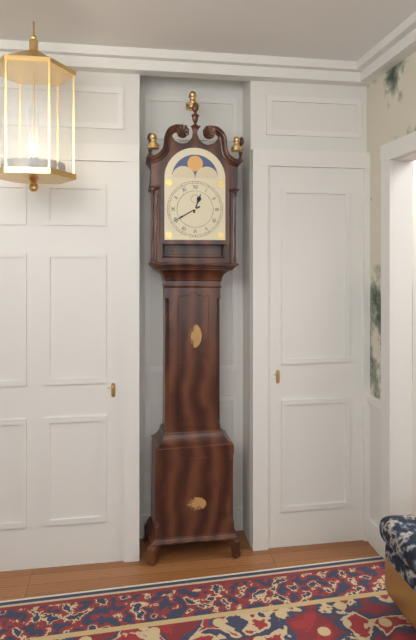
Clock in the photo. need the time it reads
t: 12:40
